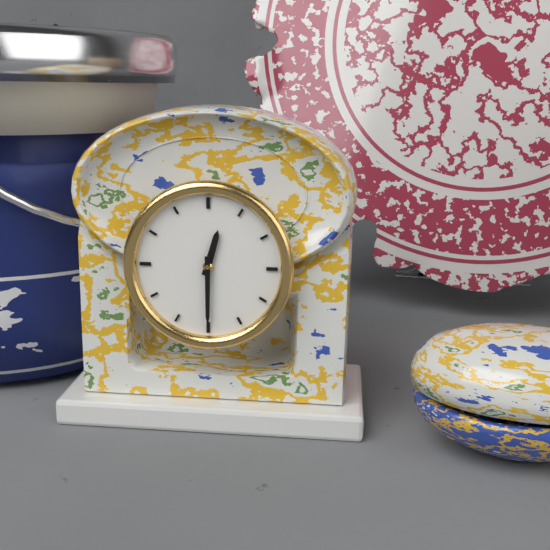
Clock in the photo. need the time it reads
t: 12:30
